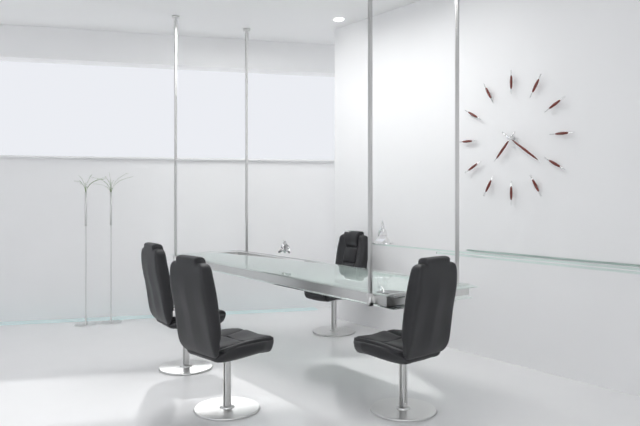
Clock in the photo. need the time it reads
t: 7:21
